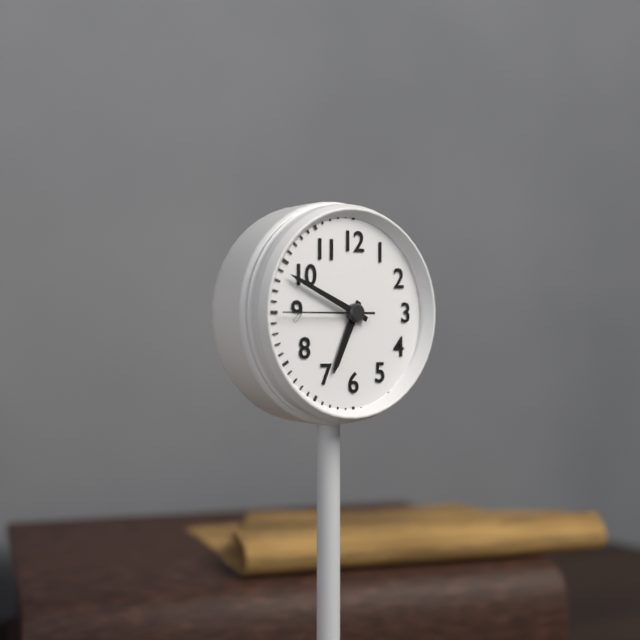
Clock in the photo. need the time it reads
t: 6:49:45
